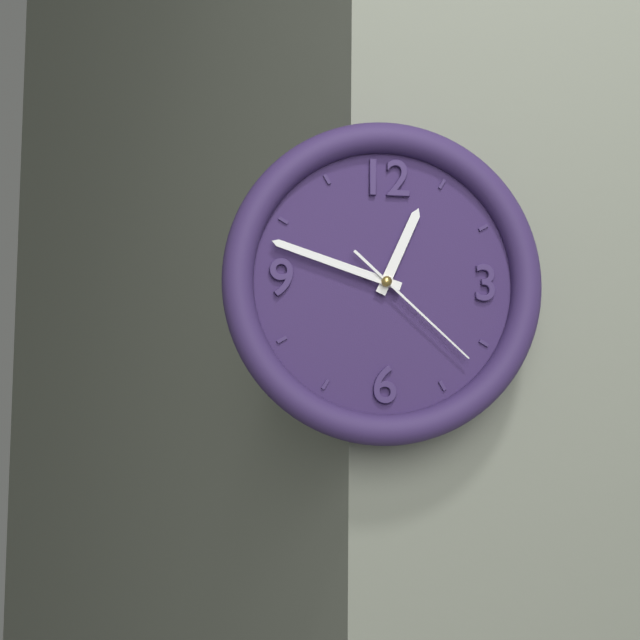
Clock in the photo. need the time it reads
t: 12:48:22
